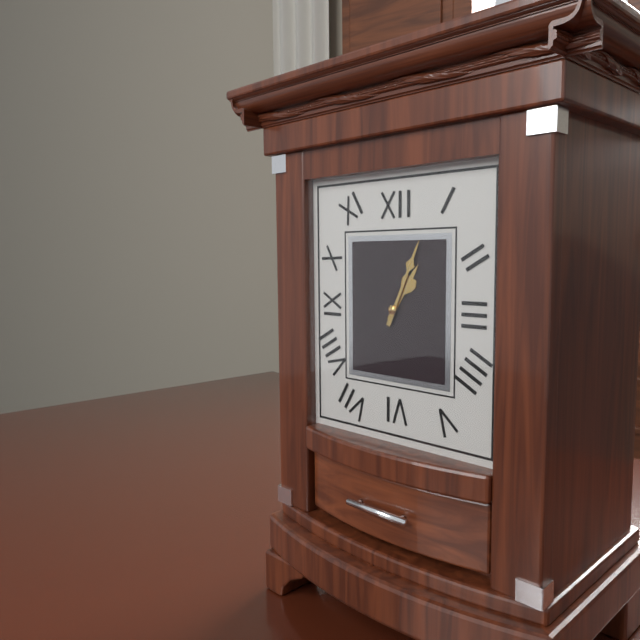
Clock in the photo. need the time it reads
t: 1:04
